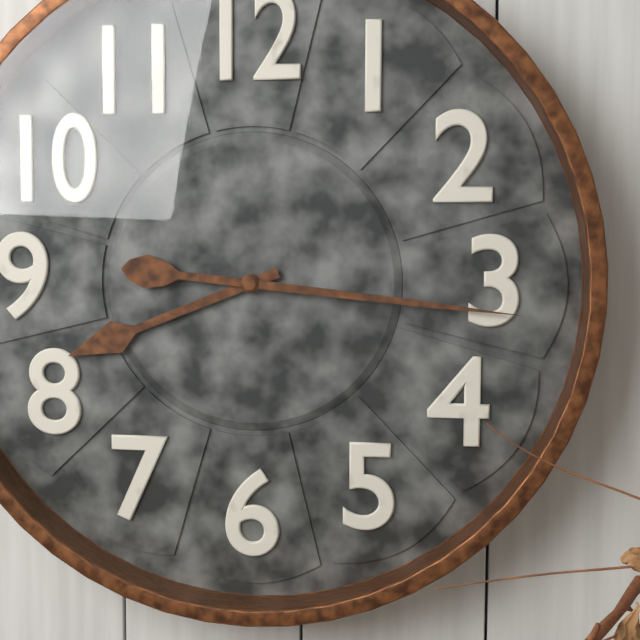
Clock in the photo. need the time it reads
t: 8:16
